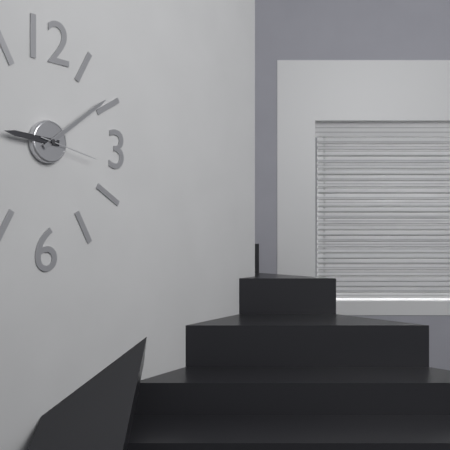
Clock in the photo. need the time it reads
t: 9:09:17
